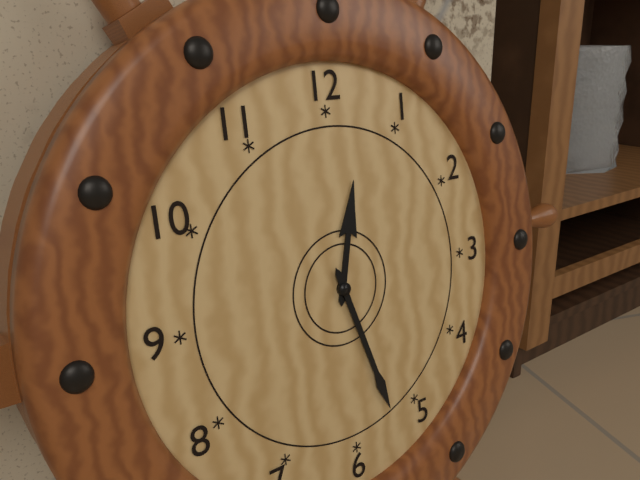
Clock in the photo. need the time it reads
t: 12:27
